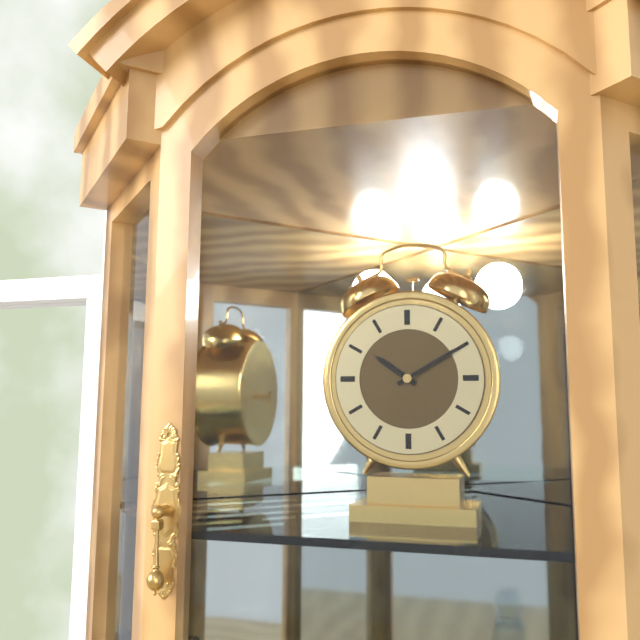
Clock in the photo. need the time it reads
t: 10:10
